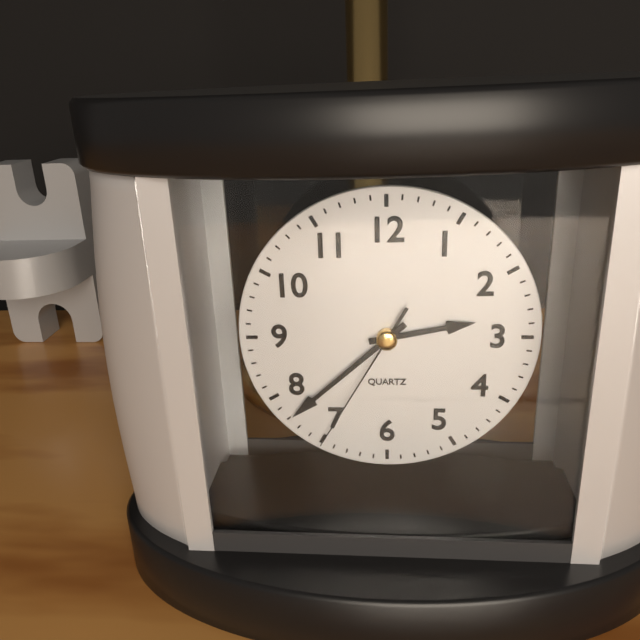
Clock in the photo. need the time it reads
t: 2:38:35
